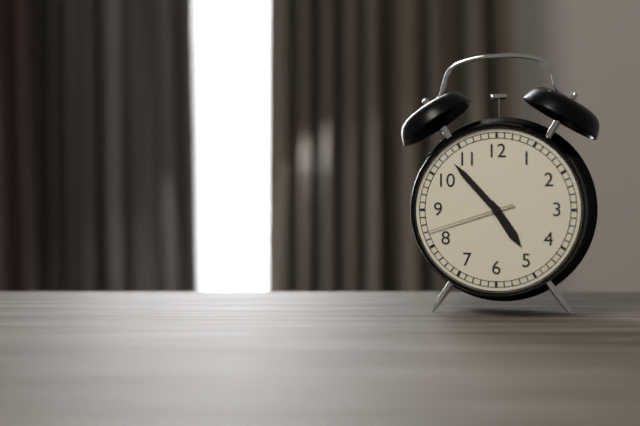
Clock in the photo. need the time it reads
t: 4:53:42
